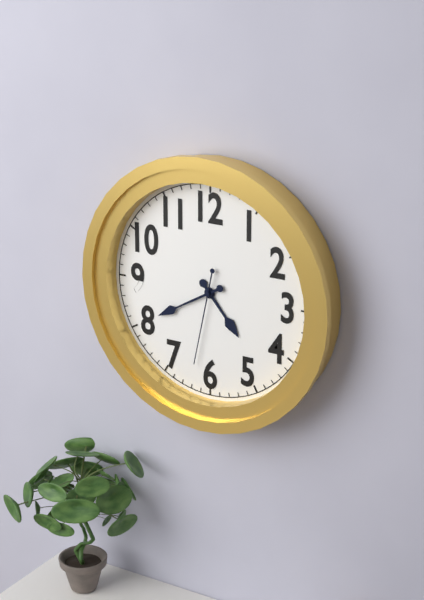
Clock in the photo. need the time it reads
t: 4:40:32
